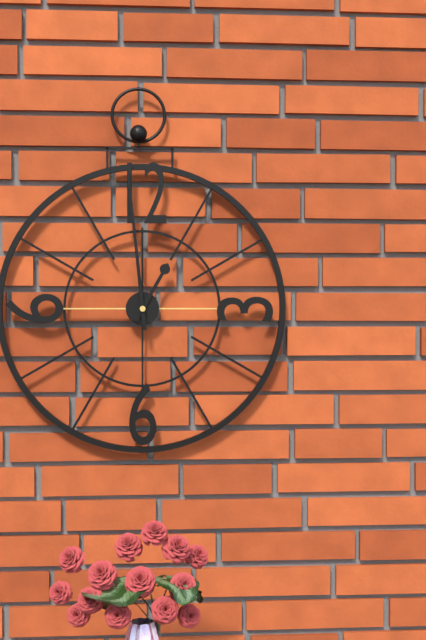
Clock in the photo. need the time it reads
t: 12:59
